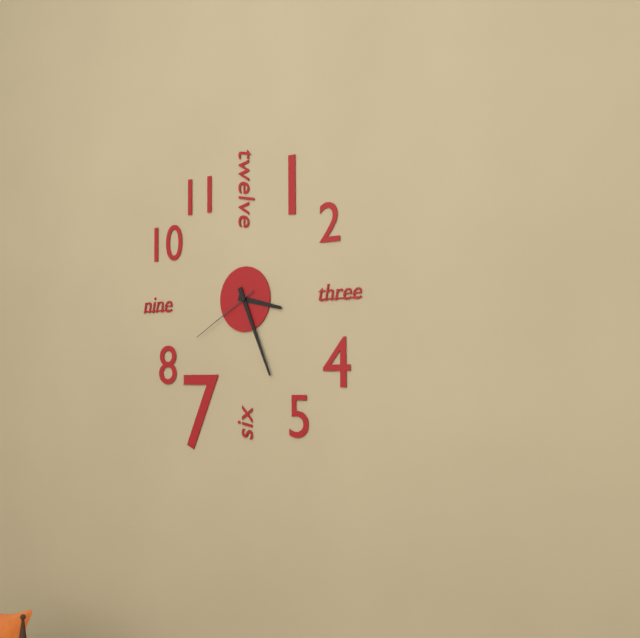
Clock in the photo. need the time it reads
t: 3:26:40
